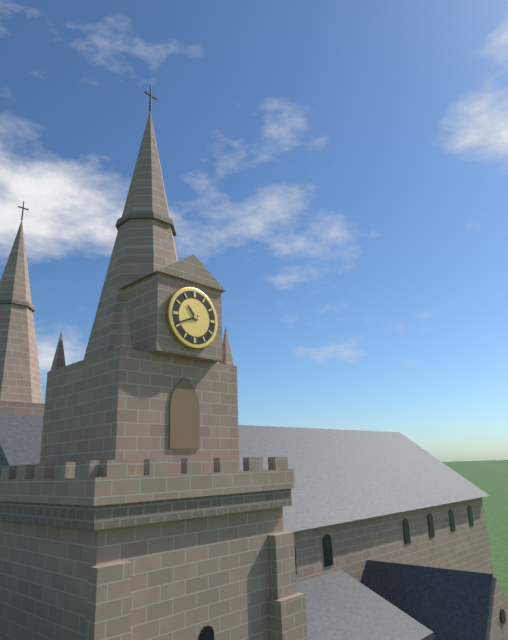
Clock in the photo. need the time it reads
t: 10:41
